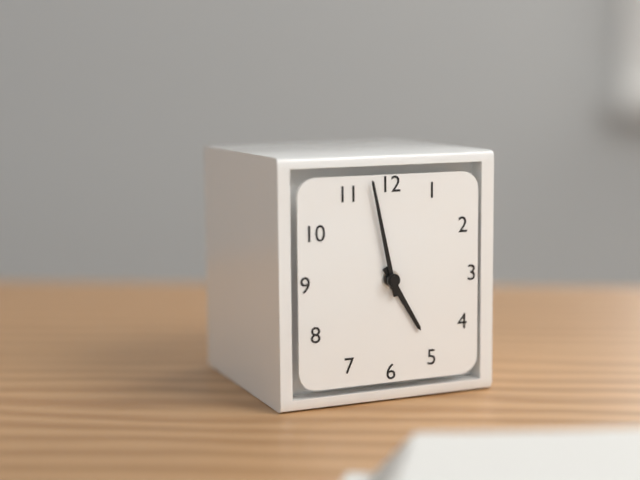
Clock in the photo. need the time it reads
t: 4:58
